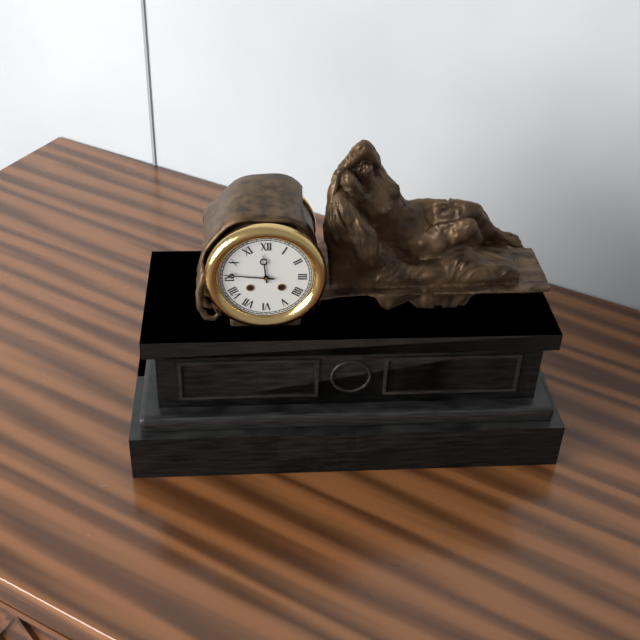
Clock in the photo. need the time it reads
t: 11:46
